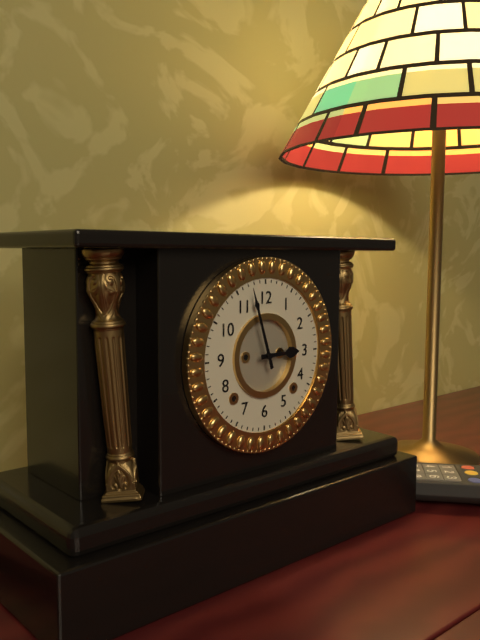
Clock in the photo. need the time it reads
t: 2:57
